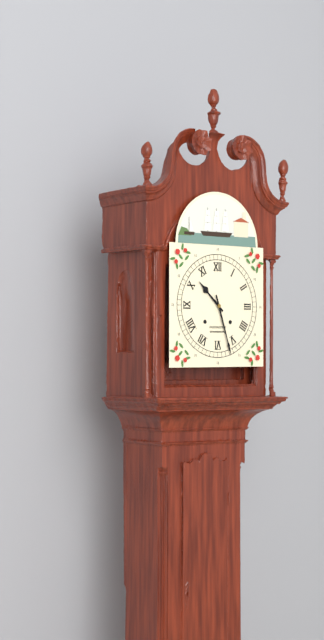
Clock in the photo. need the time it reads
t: 10:27
